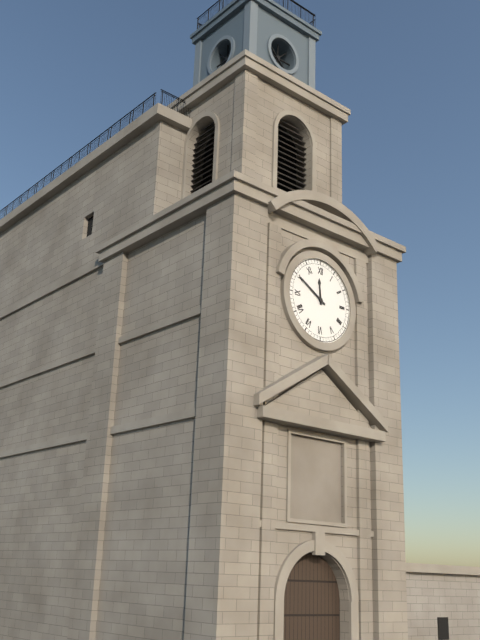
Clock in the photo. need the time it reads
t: 11:50
